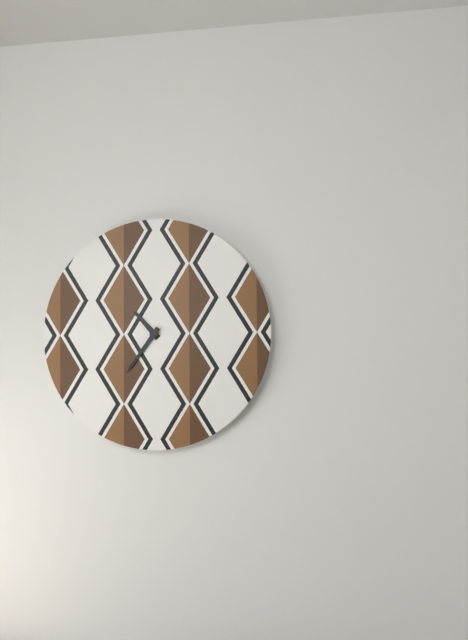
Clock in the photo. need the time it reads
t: 10:36
